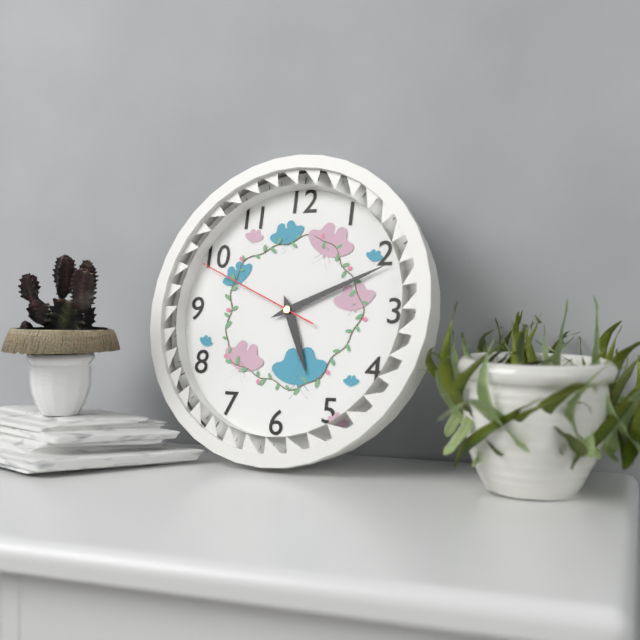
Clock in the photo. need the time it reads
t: 5:11:49
